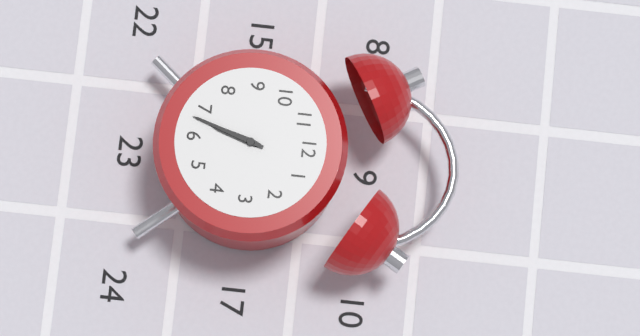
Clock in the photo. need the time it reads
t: 6:33
